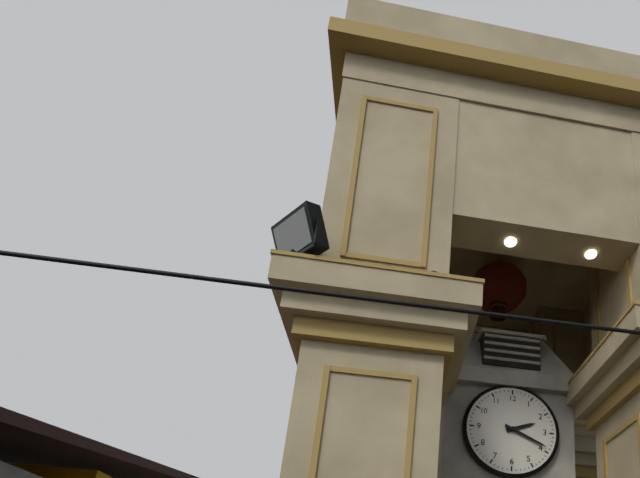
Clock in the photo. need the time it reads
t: 2:19
